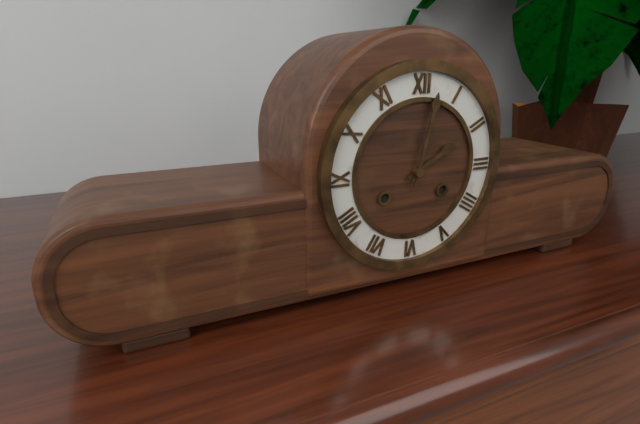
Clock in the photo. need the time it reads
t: 2:02
